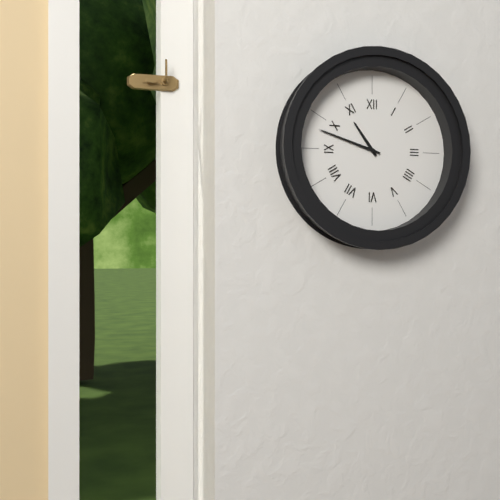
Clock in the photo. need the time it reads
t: 10:48
